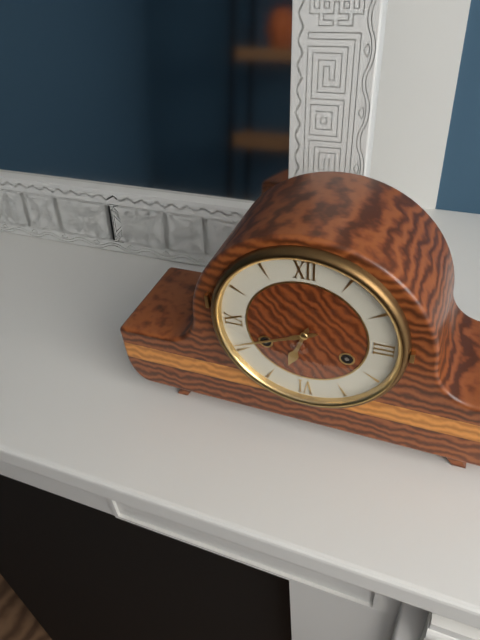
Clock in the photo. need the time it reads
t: 6:41
